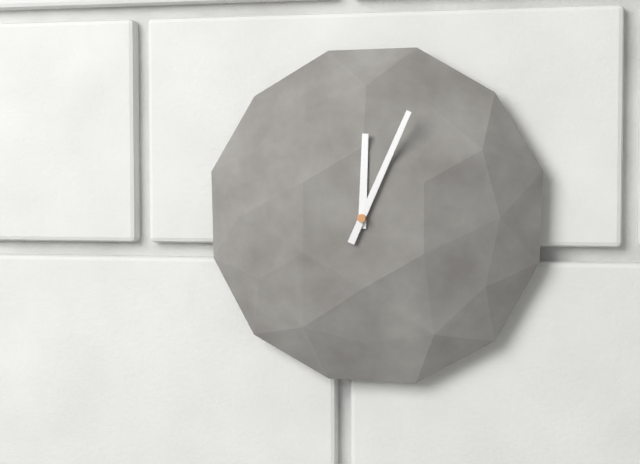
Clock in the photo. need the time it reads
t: 12:04
